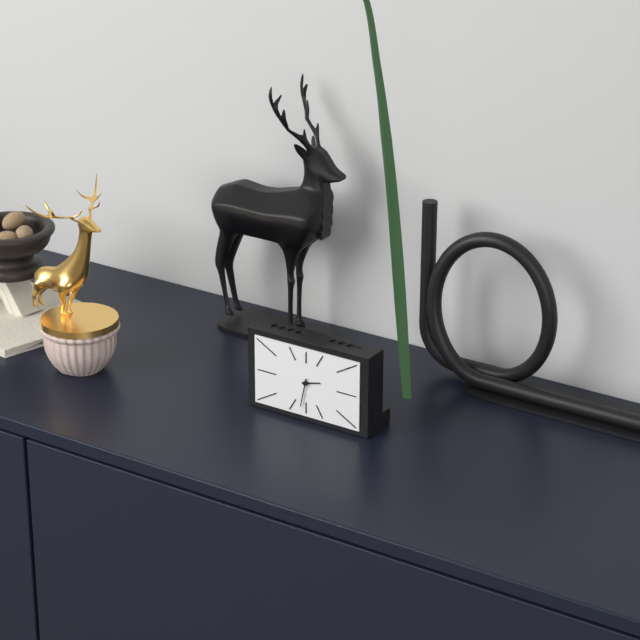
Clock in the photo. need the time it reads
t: 2:32
